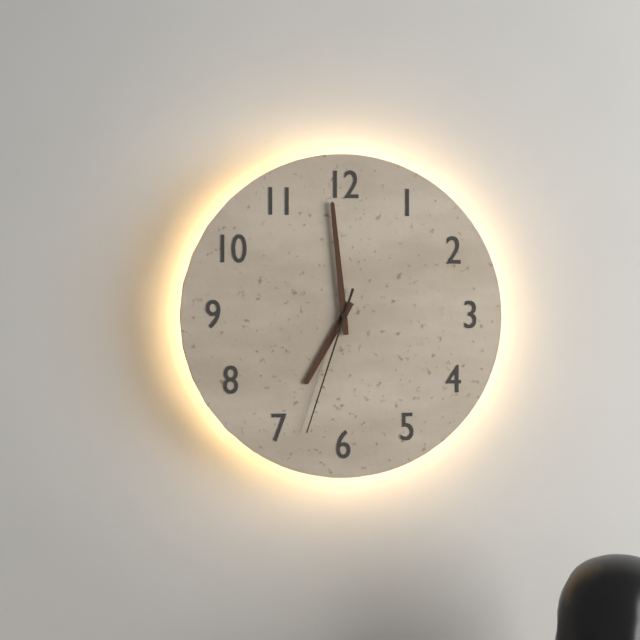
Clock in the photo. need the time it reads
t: 6:59:33
